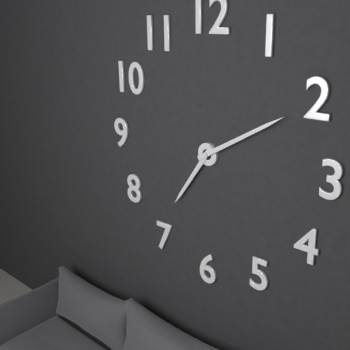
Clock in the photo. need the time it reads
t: 7:10
